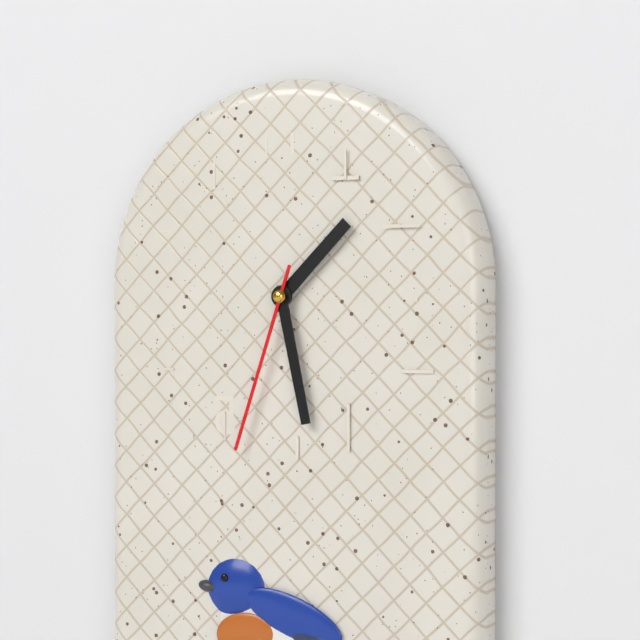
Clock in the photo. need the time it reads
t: 1:28:33
